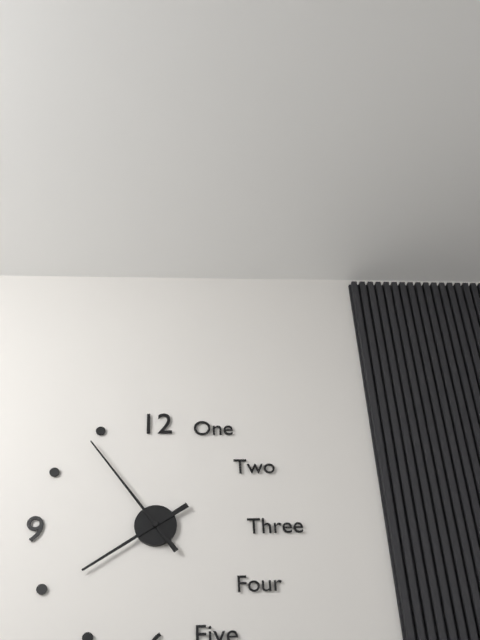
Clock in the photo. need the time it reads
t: 7:54
